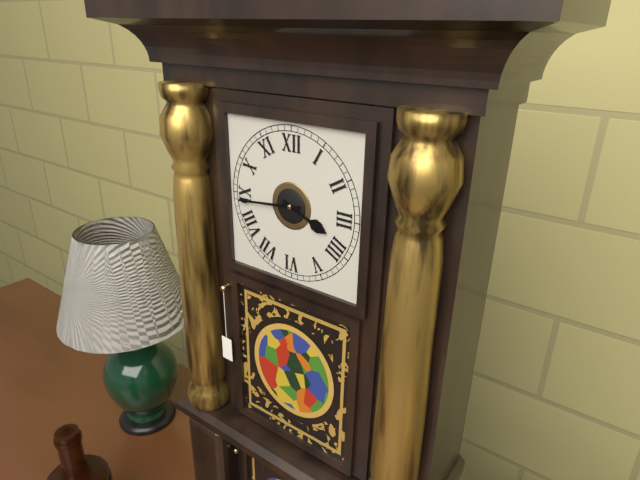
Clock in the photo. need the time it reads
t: 3:44
